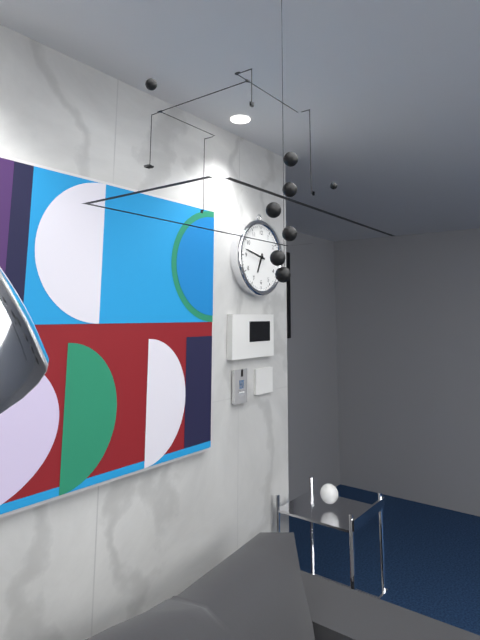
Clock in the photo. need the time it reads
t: 6:47
